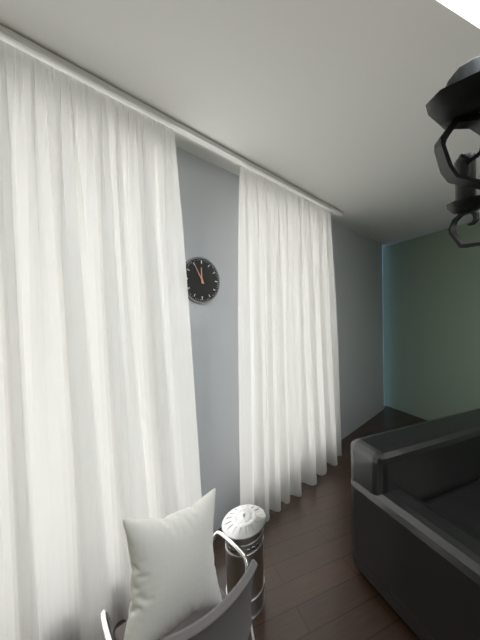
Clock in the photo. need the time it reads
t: 11:55
